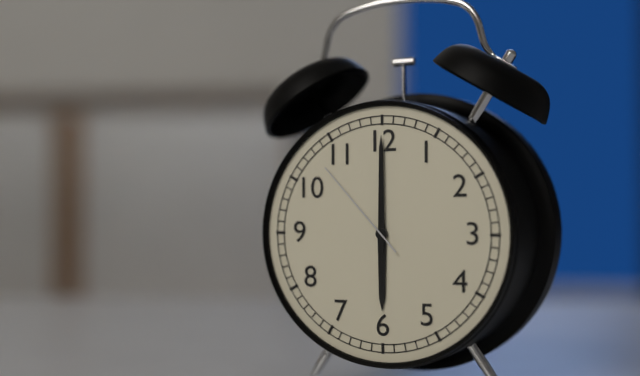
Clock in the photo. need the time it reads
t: 6:00:53
